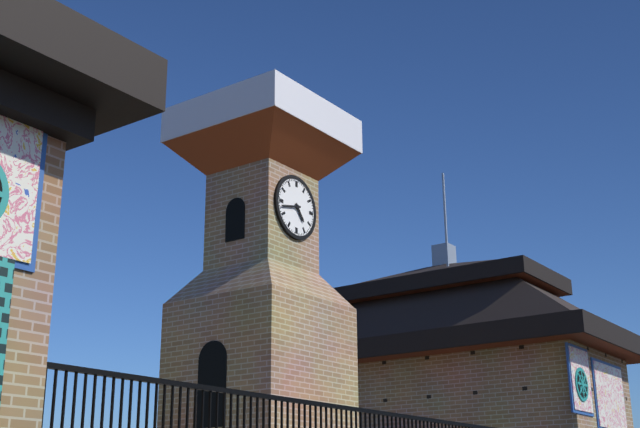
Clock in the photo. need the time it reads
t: 4:43
